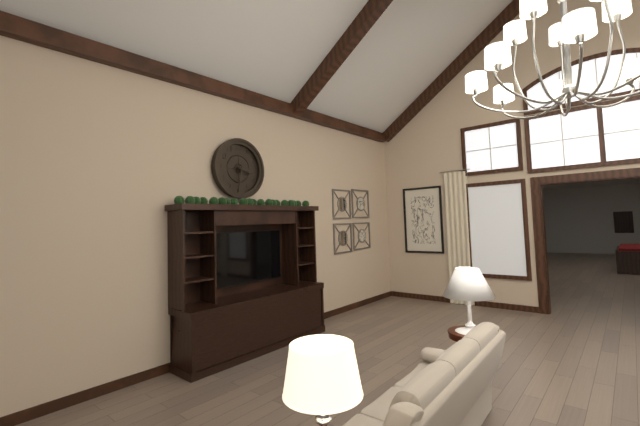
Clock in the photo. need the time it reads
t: 3:32
